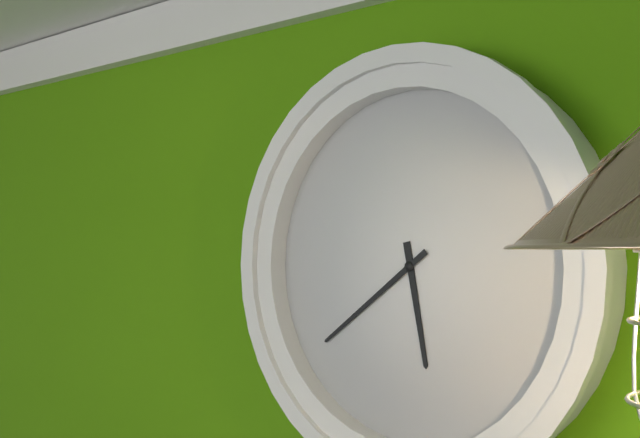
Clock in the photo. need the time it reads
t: 5:39
